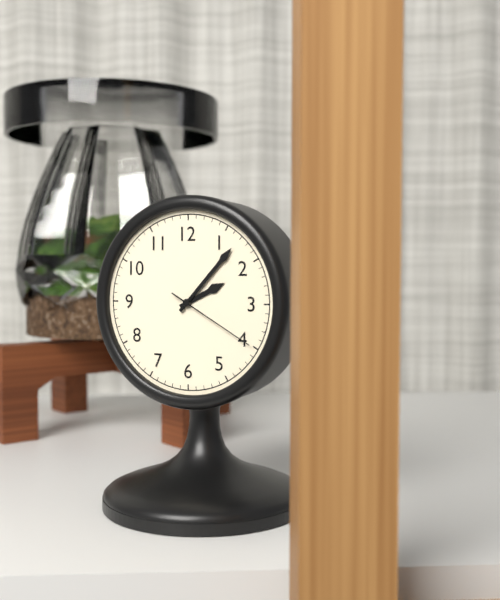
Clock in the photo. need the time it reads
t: 2:07:20
